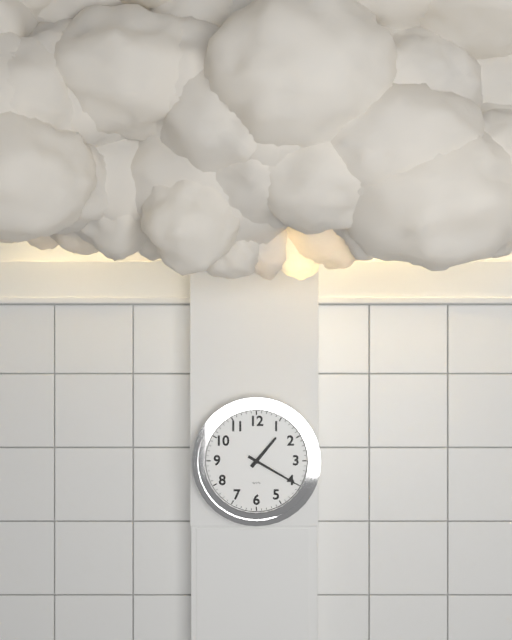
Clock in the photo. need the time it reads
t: 1:20
